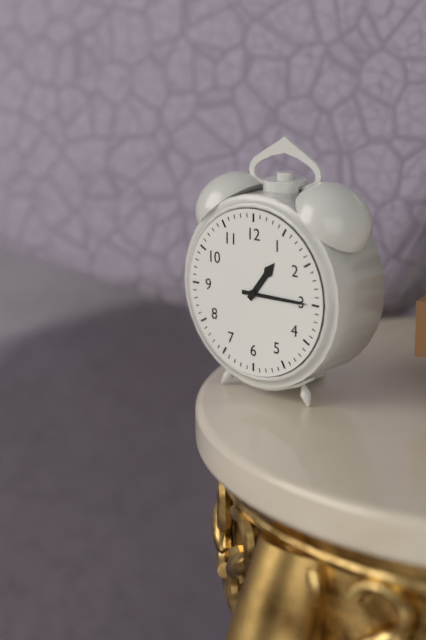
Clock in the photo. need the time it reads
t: 1:15
